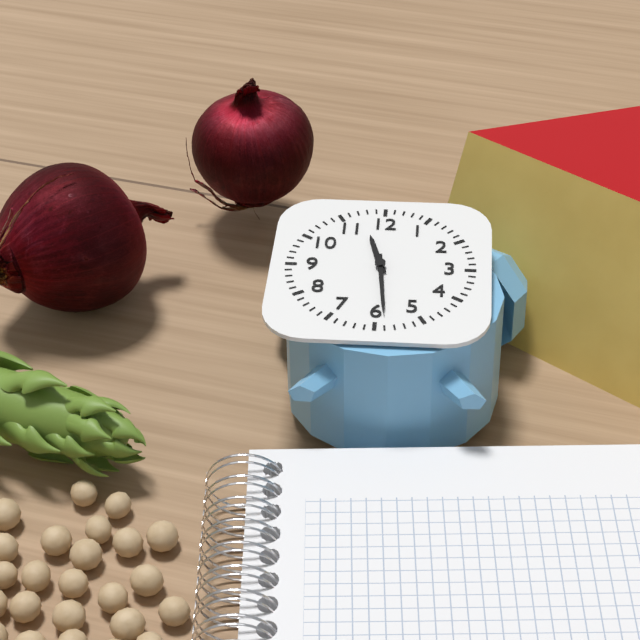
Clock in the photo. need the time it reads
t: 11:29
